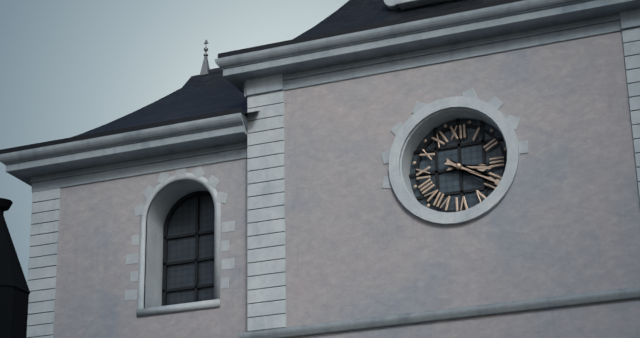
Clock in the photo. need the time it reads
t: 3:20
